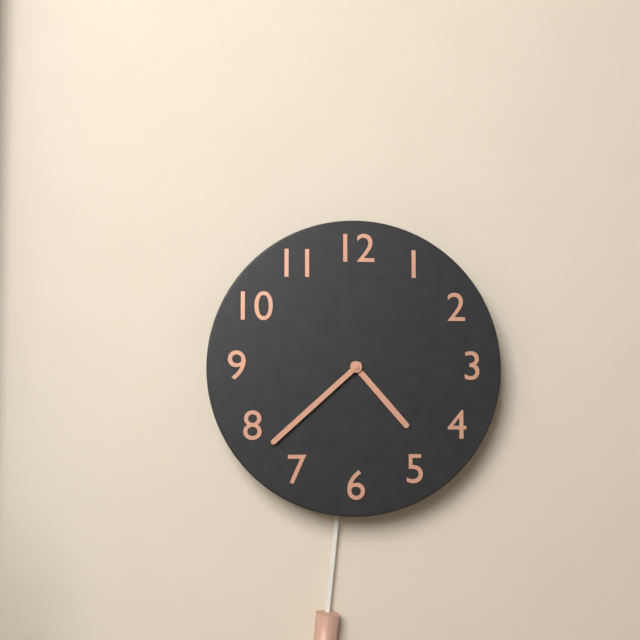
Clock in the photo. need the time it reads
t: 4:38
